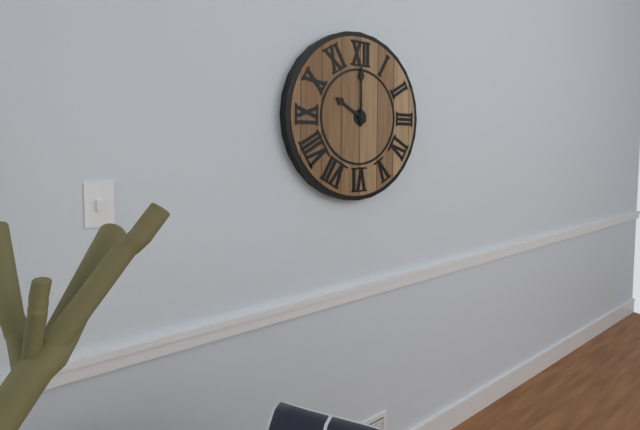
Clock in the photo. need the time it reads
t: 10:00
